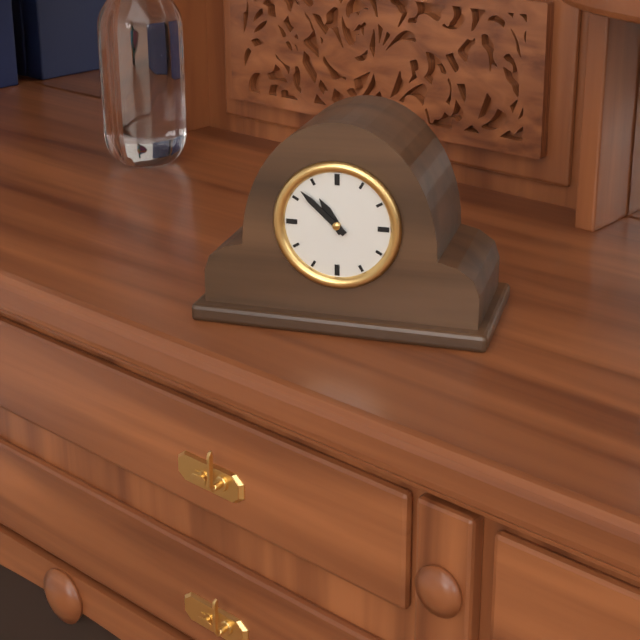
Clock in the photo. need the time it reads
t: 10:52
